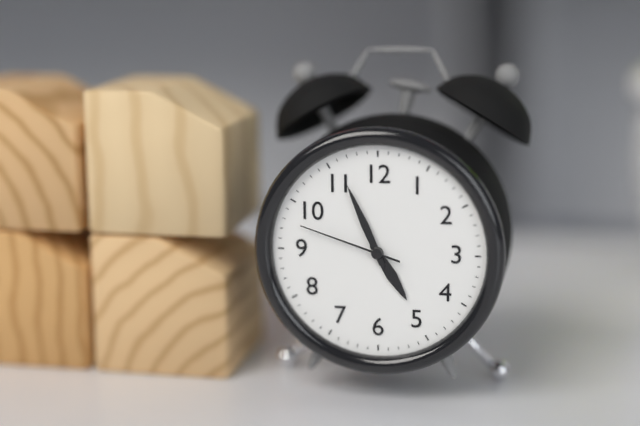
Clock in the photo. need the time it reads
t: 4:56:48
